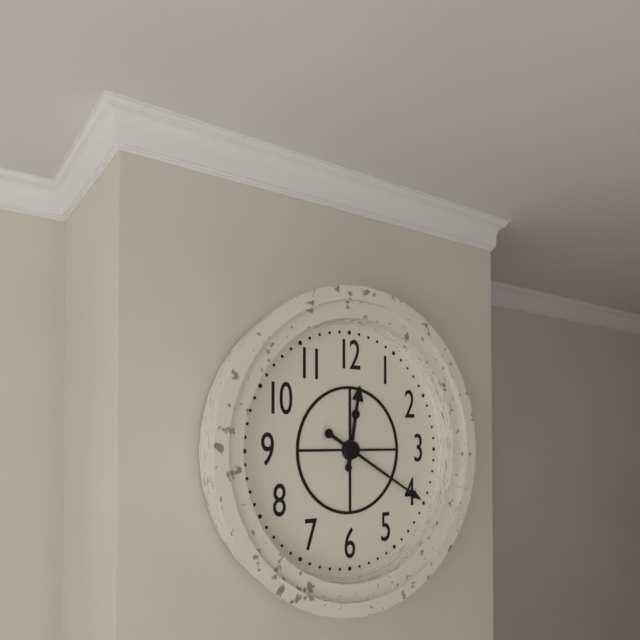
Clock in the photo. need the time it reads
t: 12:20
